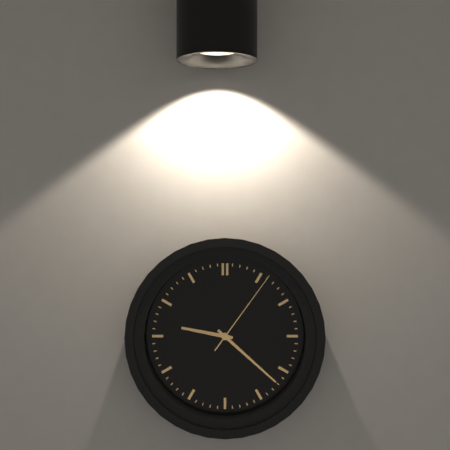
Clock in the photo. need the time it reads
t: 9:22:06
